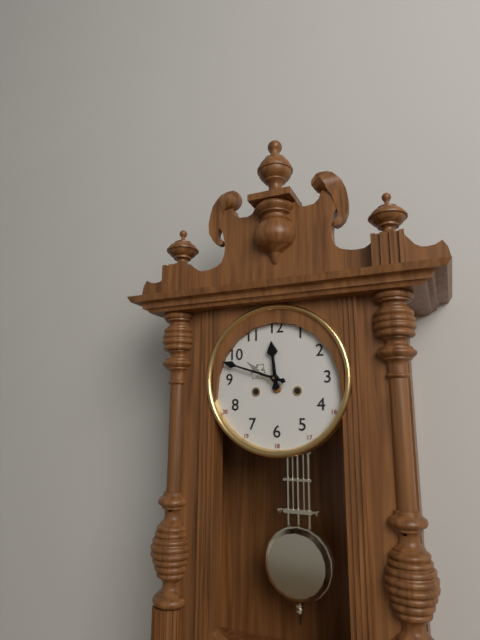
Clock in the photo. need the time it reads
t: 11:48
